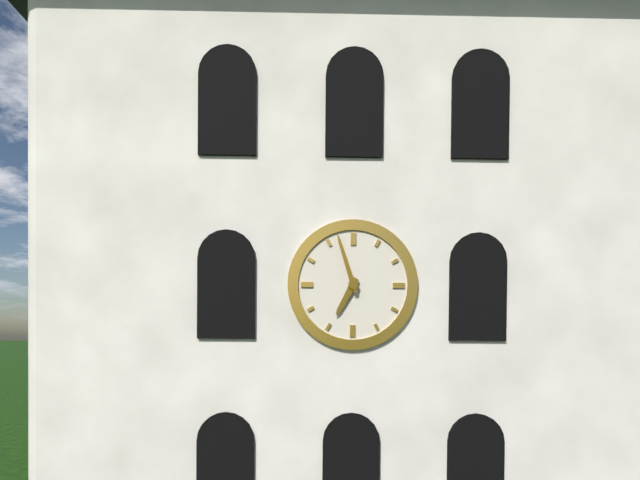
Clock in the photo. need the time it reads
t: 6:57
